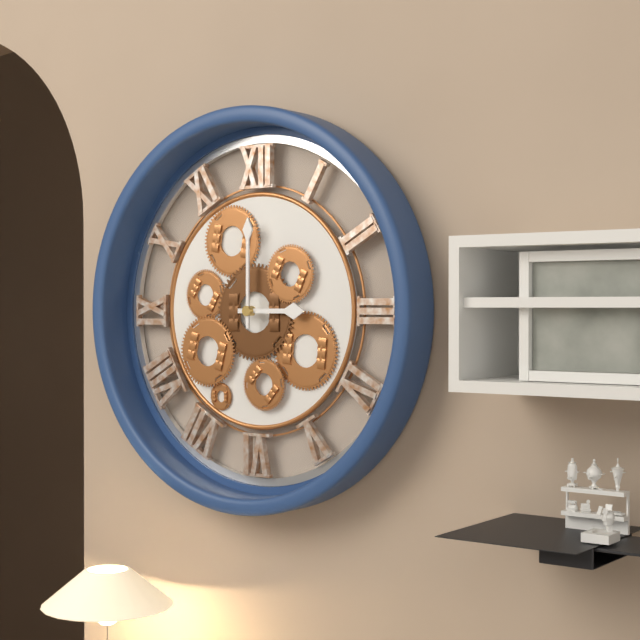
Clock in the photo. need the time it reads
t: 3:00
